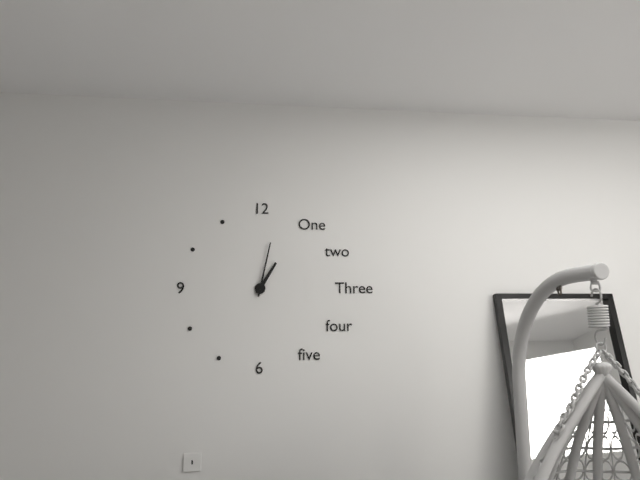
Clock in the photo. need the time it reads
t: 1:02
